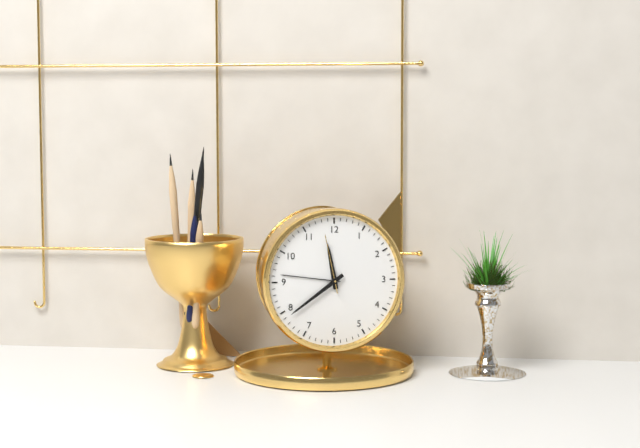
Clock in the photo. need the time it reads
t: 11:39:58
